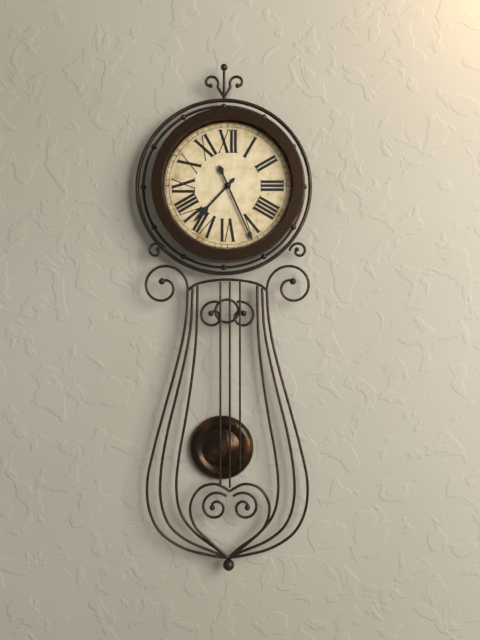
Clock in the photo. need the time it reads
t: 7:26
